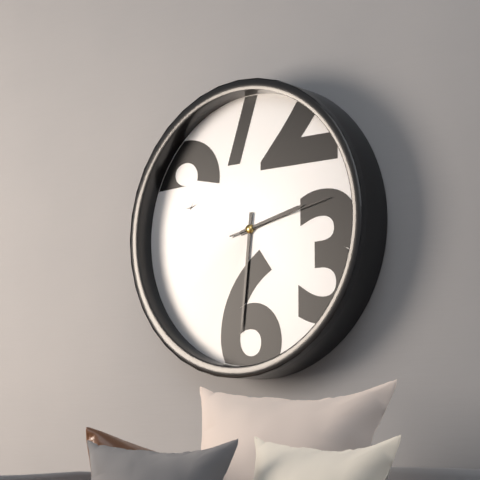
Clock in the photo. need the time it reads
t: 2:31:13
